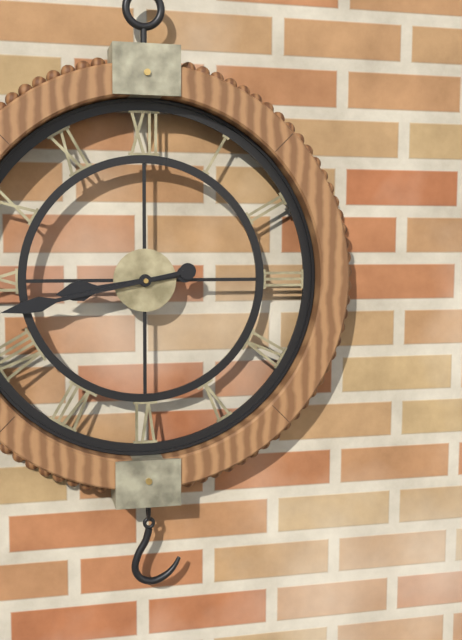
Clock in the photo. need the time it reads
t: 8:43
